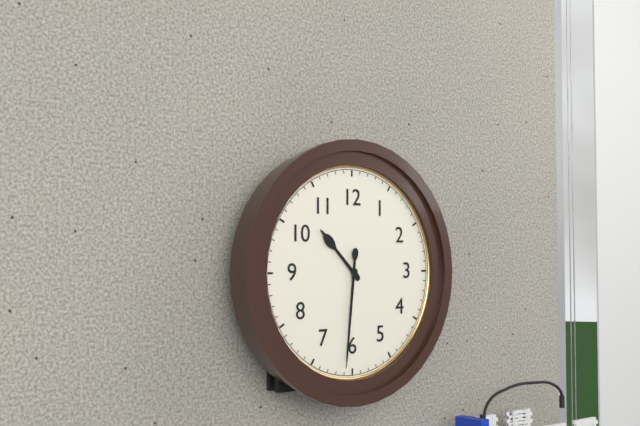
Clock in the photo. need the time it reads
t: 10:31
